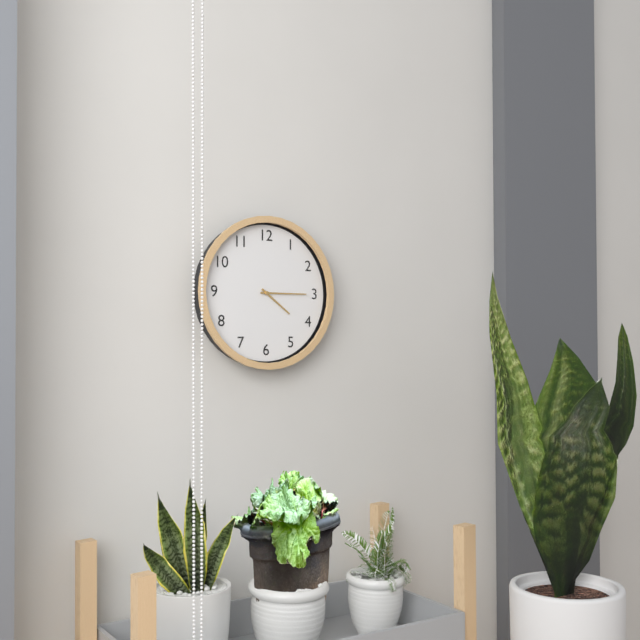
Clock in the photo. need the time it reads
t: 4:15
